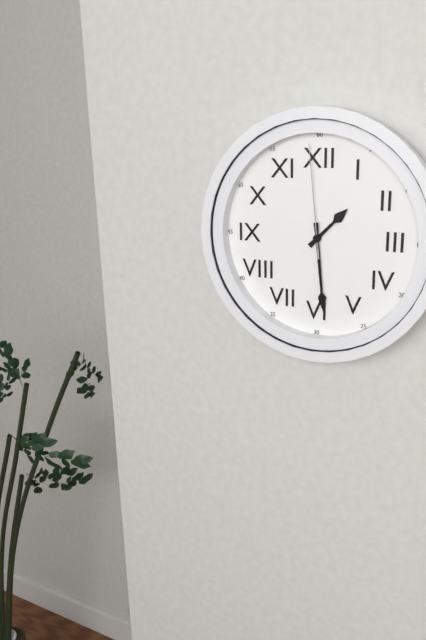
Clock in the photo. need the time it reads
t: 1:29:59
